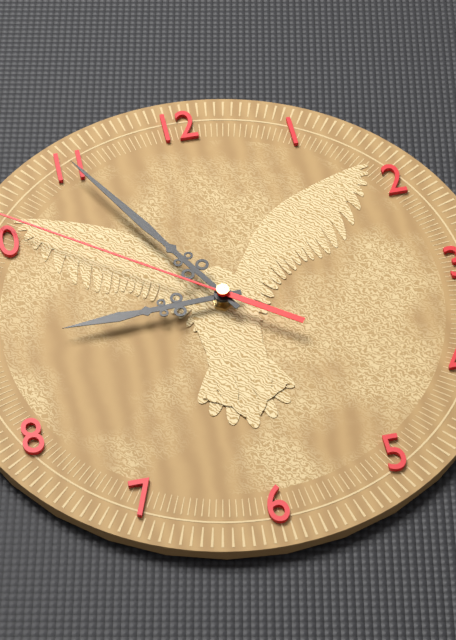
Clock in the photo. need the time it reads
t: 8:55
